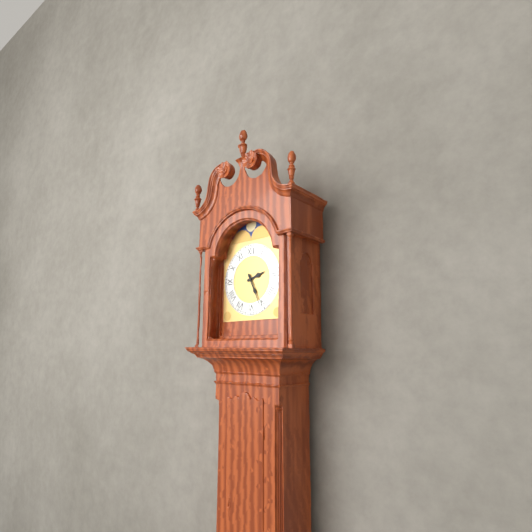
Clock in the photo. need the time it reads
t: 2:26
